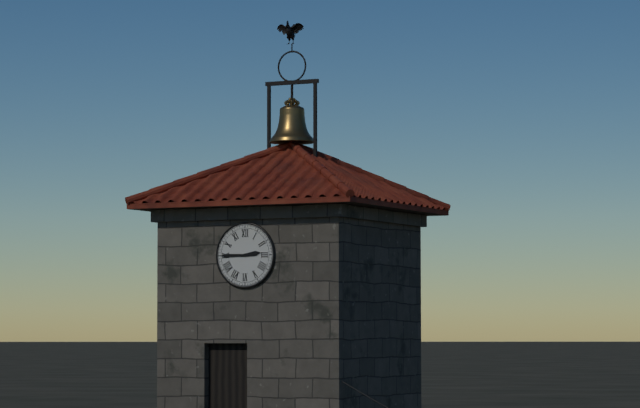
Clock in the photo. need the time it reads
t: 2:45
